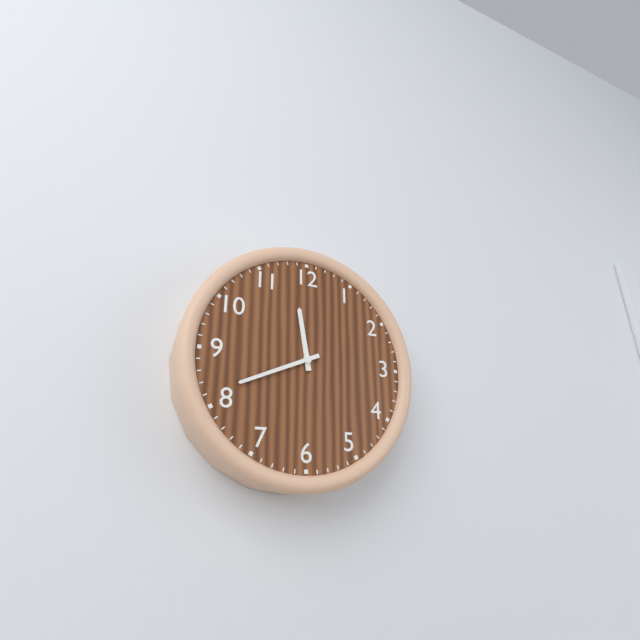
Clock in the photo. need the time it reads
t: 11:41
